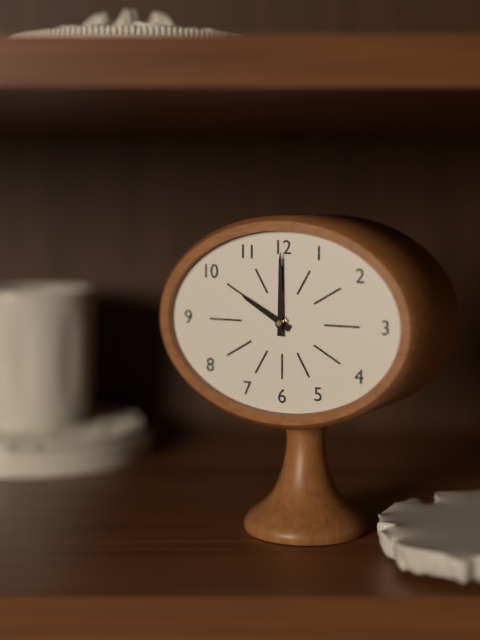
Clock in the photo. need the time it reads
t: 10:00
